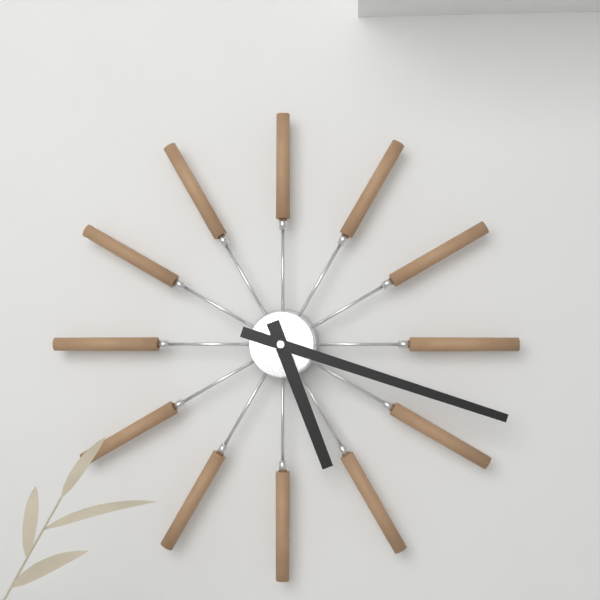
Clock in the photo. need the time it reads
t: 5:18
